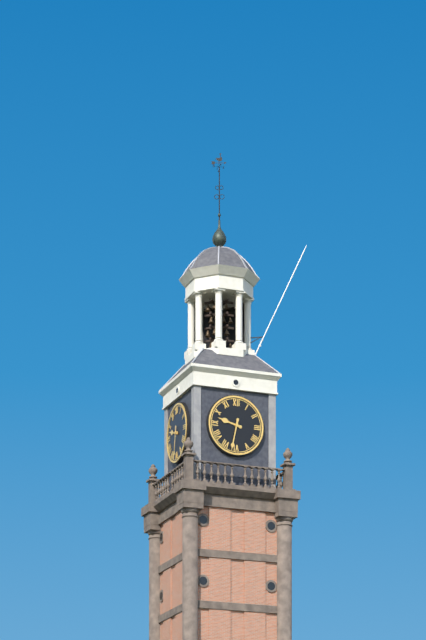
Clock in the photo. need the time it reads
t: 9:32
